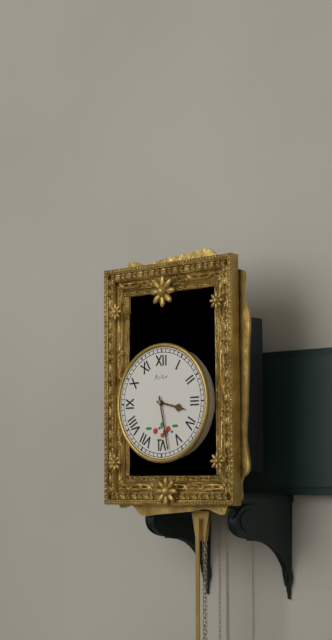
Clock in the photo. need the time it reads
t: 3:28
